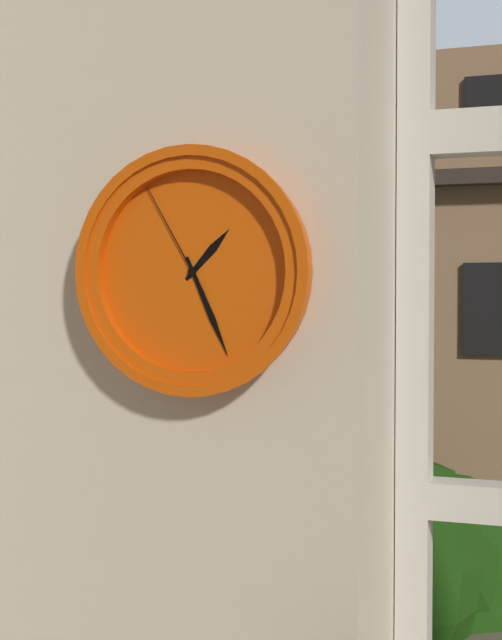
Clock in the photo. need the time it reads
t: 1:26:55
